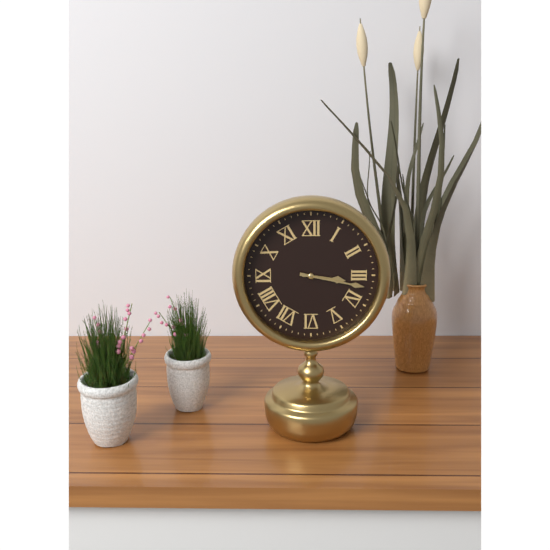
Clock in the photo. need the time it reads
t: 3:17
